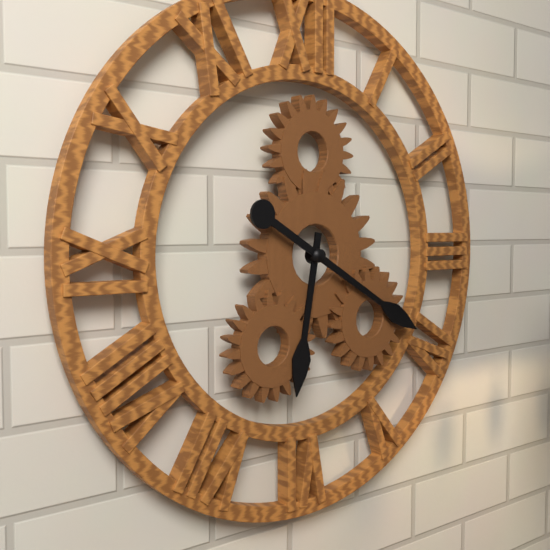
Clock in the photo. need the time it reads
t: 6:20
